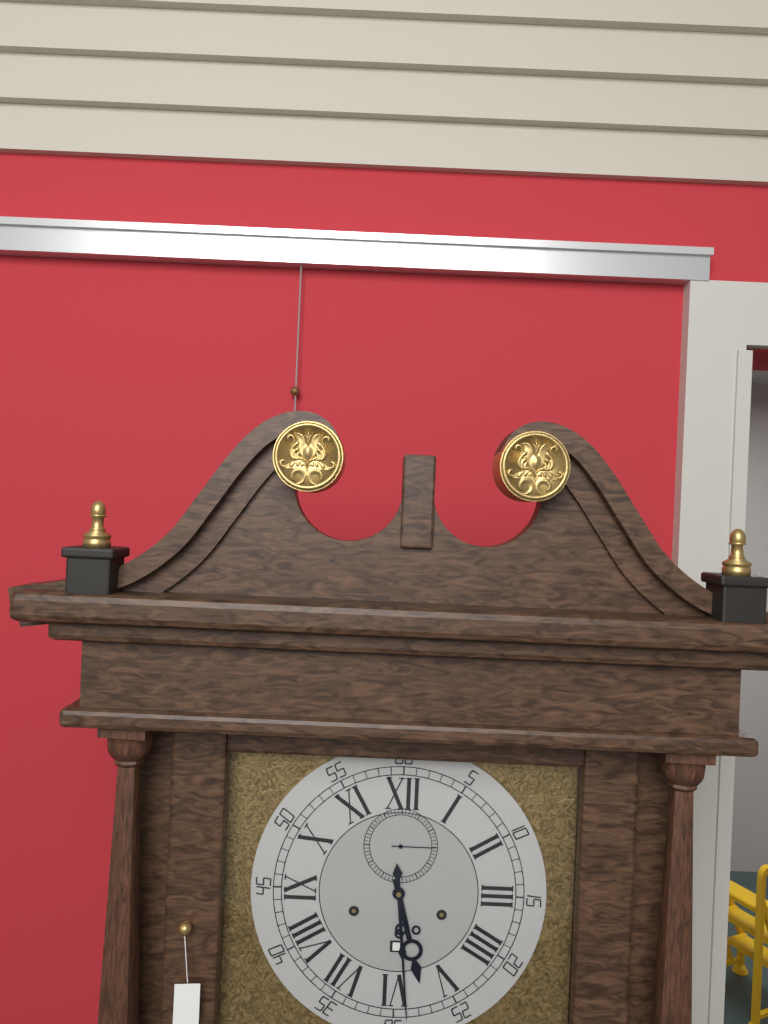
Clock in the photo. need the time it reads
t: 5:29
